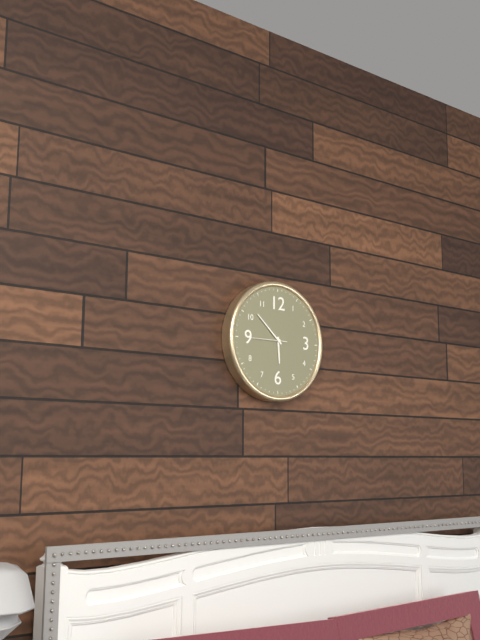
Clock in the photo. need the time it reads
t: 5:52
